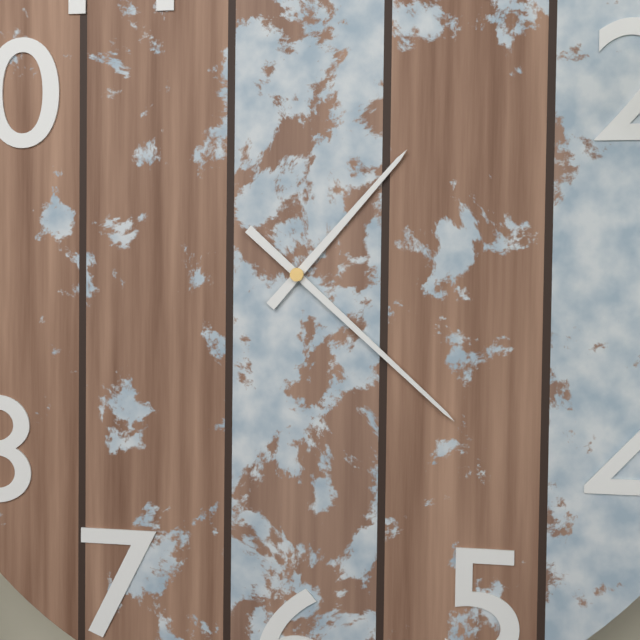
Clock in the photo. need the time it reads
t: 1:22
